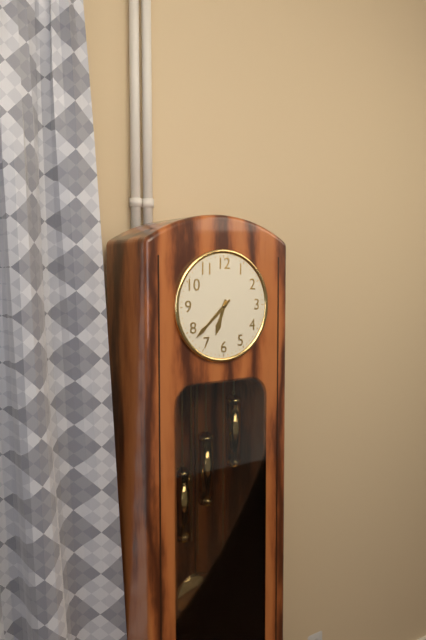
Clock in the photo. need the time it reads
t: 6:38
